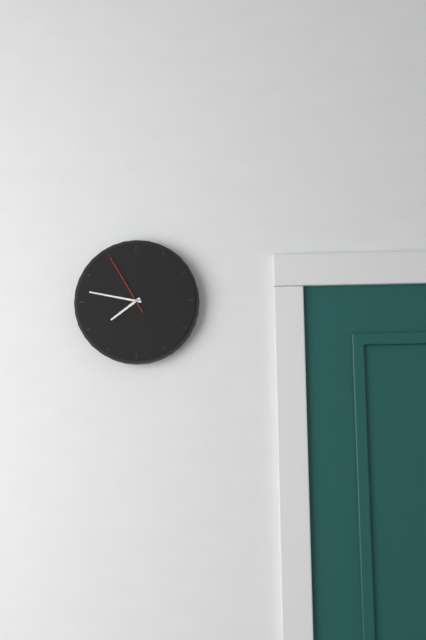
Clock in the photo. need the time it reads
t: 7:47:55
